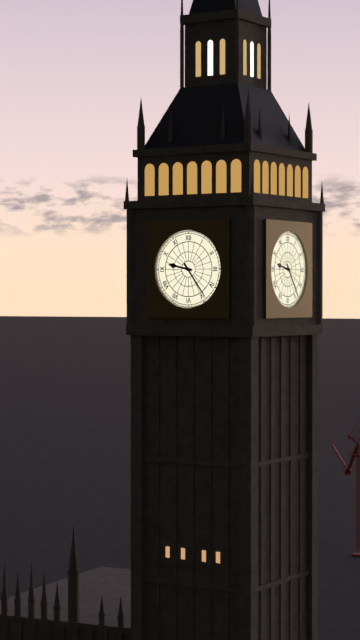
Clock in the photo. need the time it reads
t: 9:24
